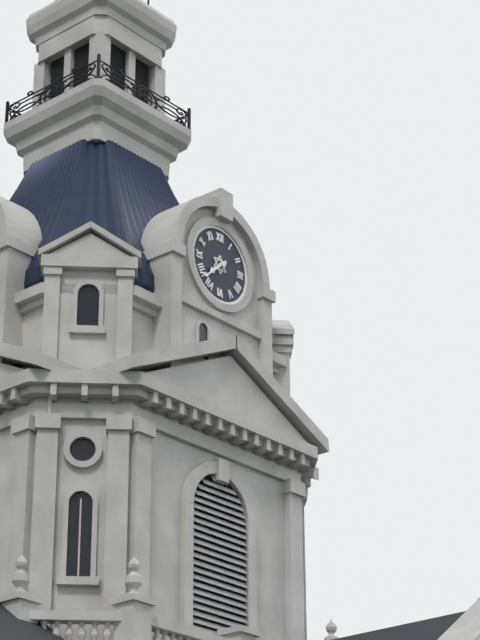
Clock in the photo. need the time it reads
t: 7:38
